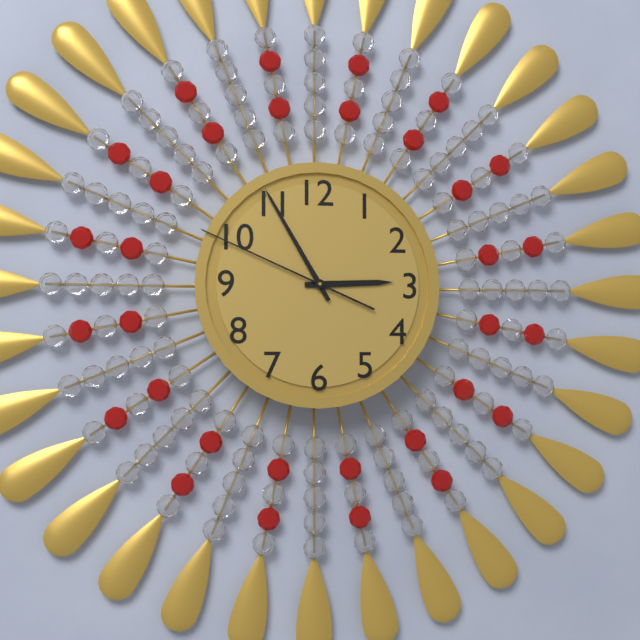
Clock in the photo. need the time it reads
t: 2:55:49
